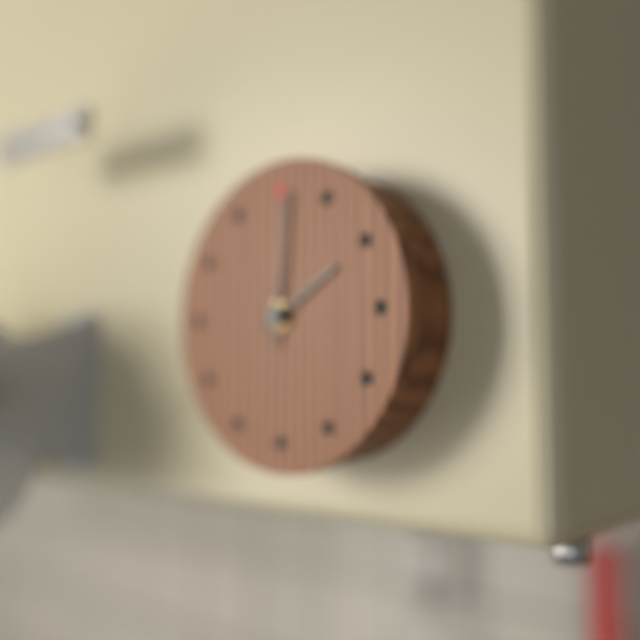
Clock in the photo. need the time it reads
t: 2:01
